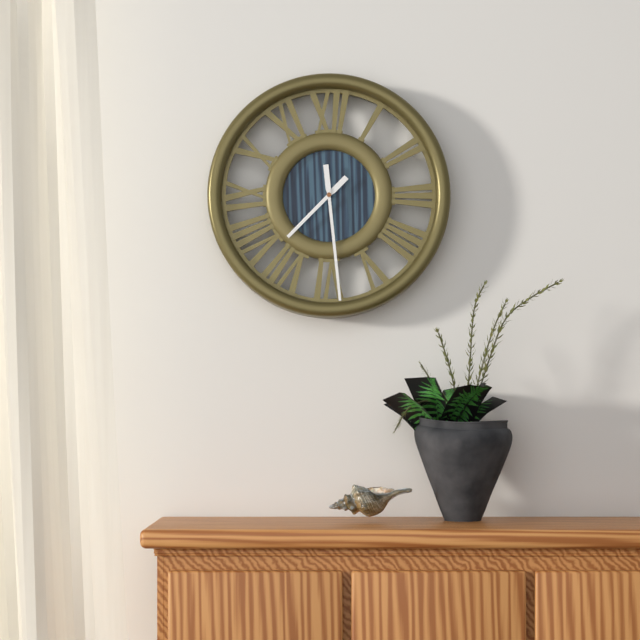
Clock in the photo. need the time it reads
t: 7:29
